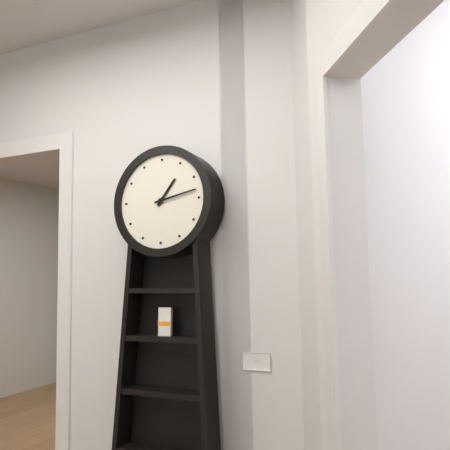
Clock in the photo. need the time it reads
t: 1:13
